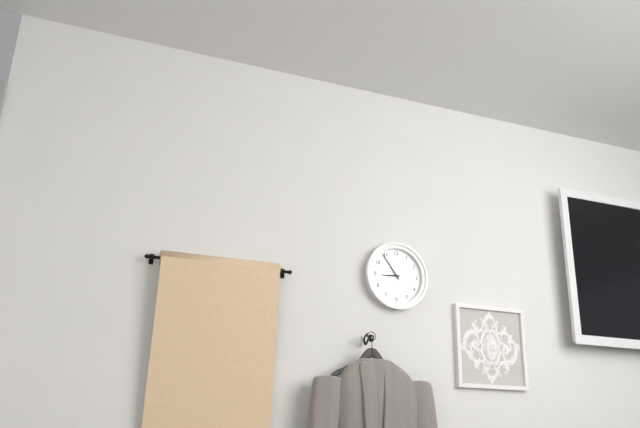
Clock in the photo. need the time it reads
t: 8:54
